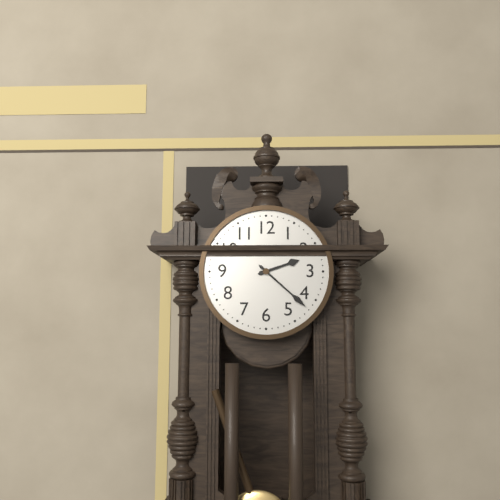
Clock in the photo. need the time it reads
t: 2:22
